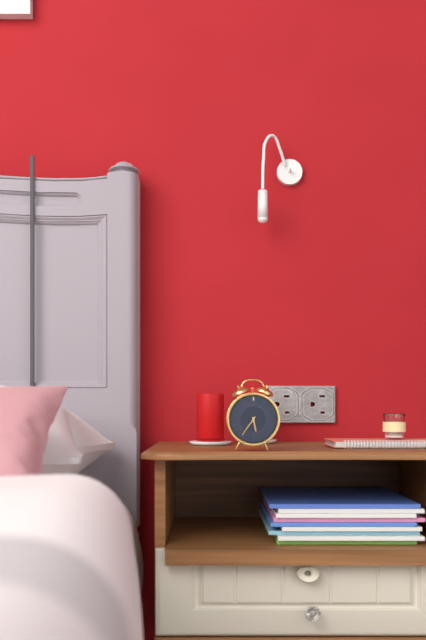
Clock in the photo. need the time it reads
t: 5:36
